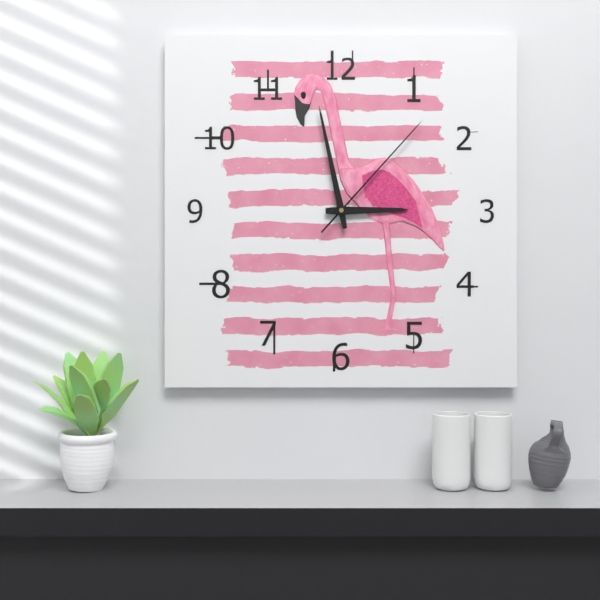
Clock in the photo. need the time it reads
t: 2:58:07
